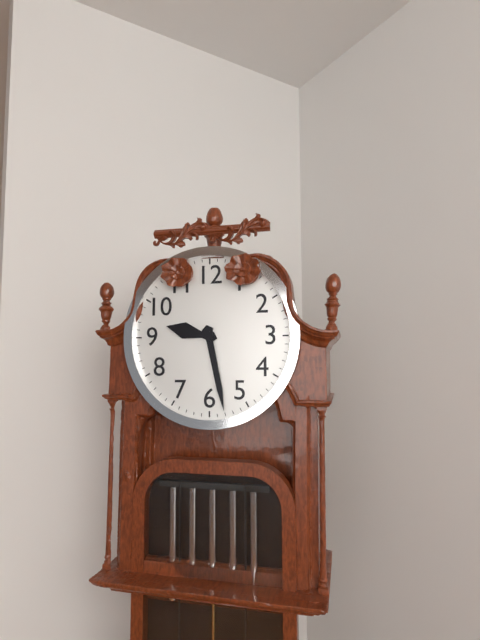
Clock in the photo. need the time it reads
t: 9:28
